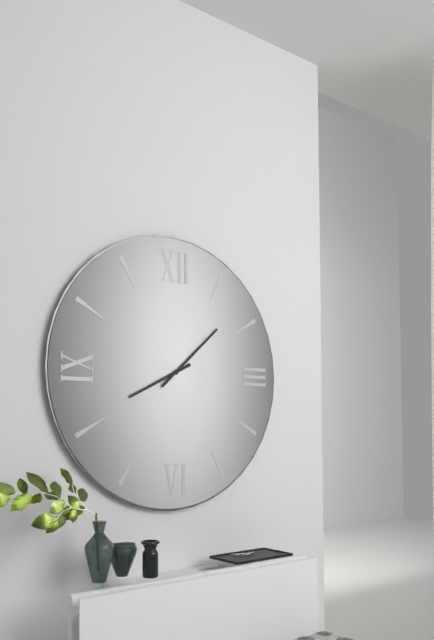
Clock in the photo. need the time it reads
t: 8:08
